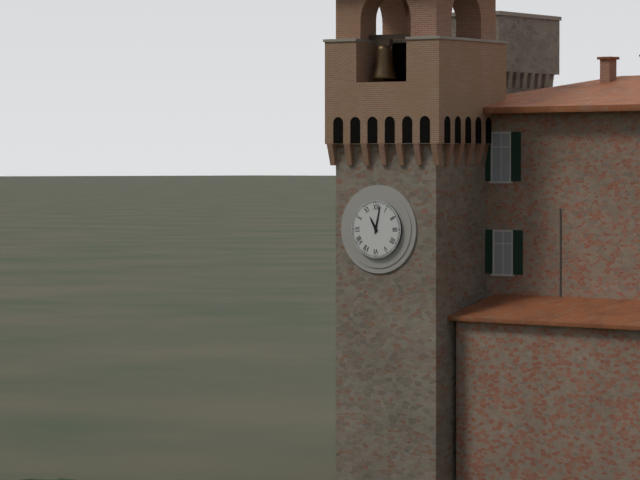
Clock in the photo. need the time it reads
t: 11:02
